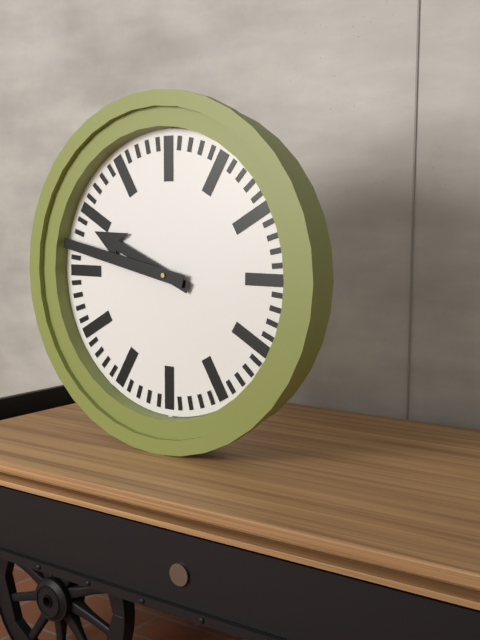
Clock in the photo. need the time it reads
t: 9:47
